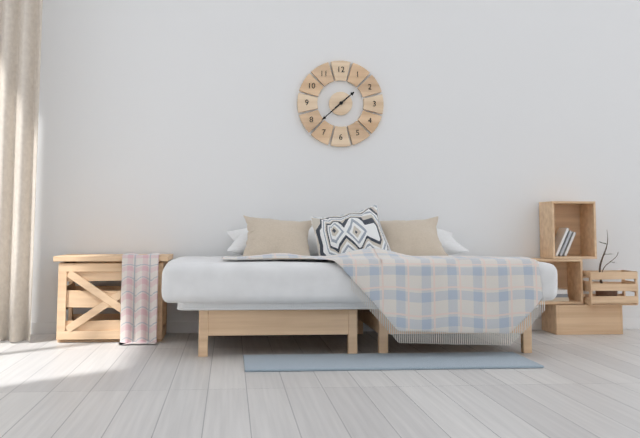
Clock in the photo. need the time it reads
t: 1:38
